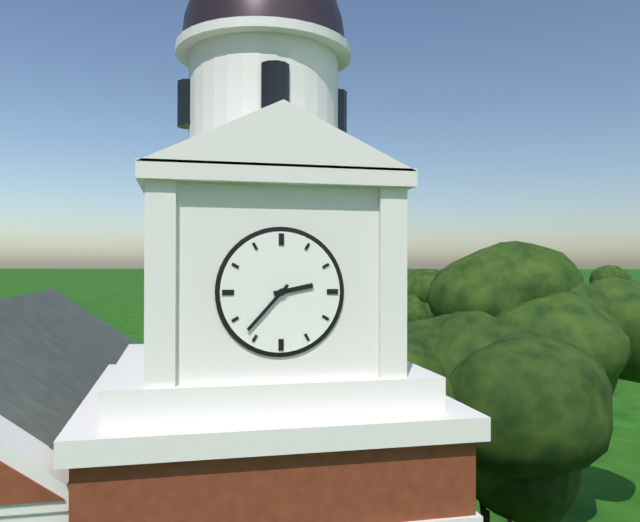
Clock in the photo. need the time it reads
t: 2:37
